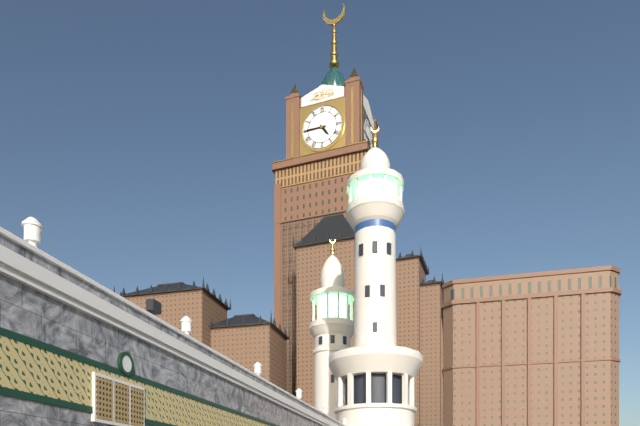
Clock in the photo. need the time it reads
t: 4:45
